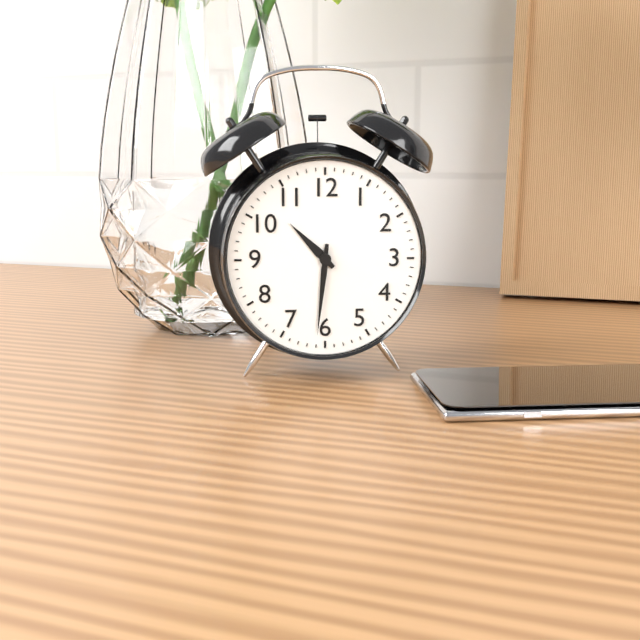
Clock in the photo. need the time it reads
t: 10:31
